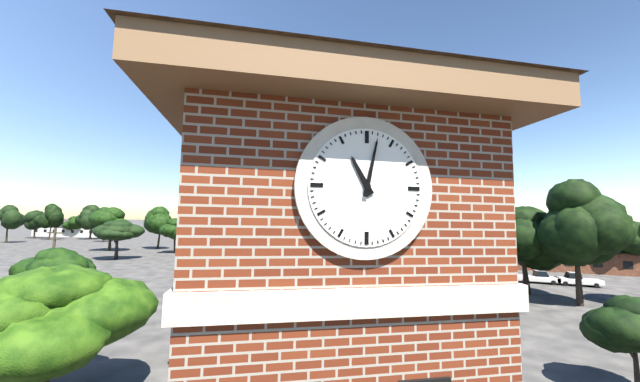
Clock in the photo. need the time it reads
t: 11:02
